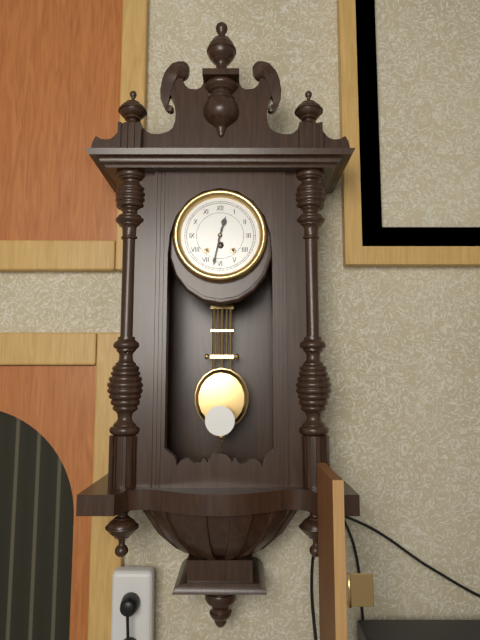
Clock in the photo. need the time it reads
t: 12:32
